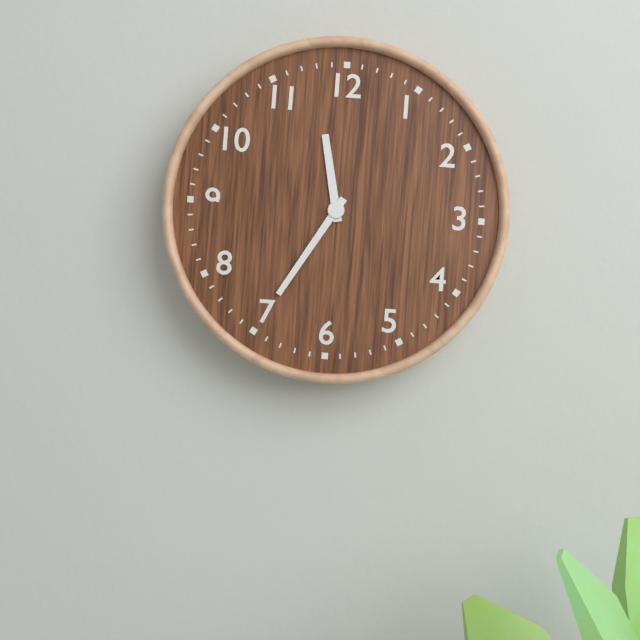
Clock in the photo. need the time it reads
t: 11:35
